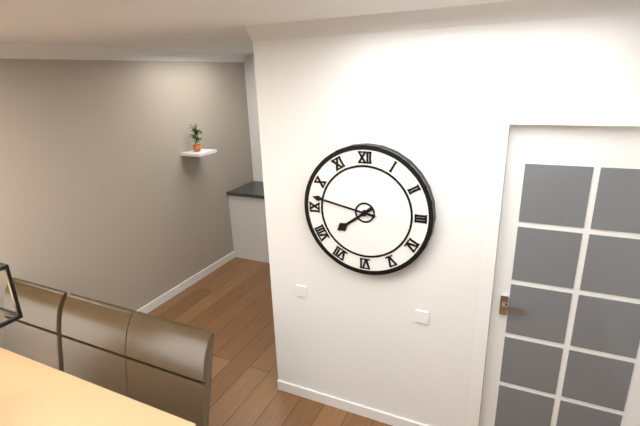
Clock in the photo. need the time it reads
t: 7:47
